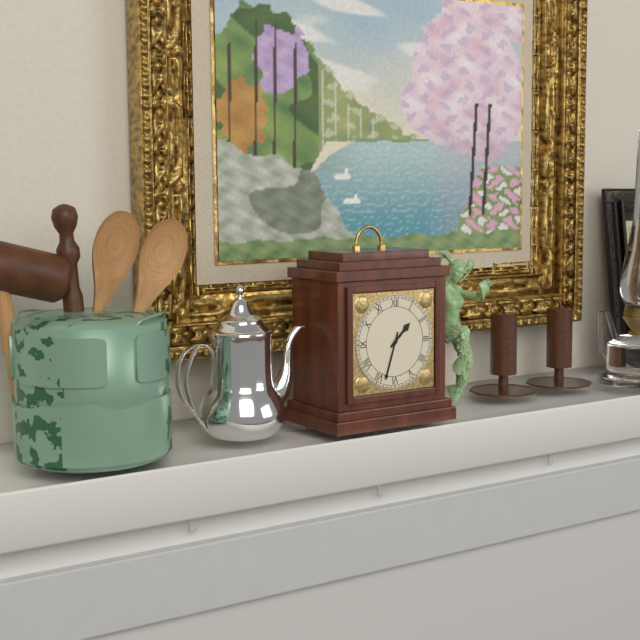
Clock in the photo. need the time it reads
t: 1:33
